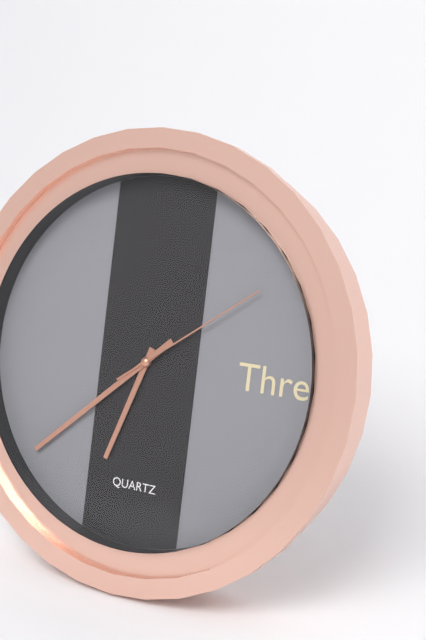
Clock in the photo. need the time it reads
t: 6:38:09
